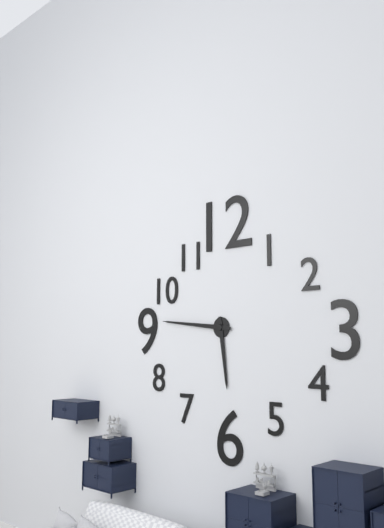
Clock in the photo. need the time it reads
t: 5:46
